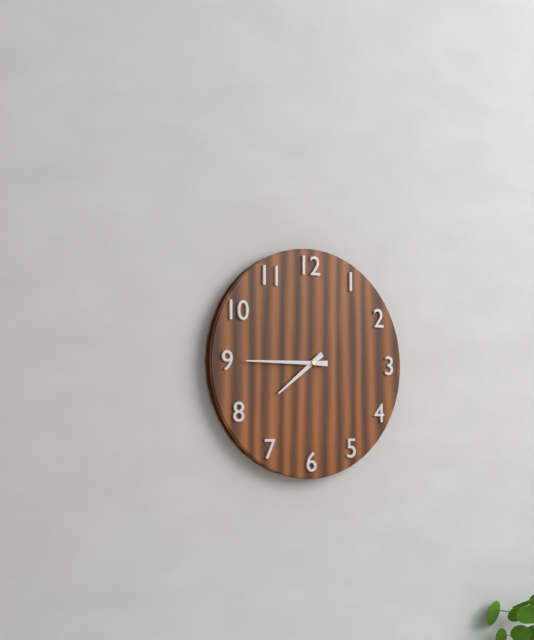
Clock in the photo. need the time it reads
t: 7:45
